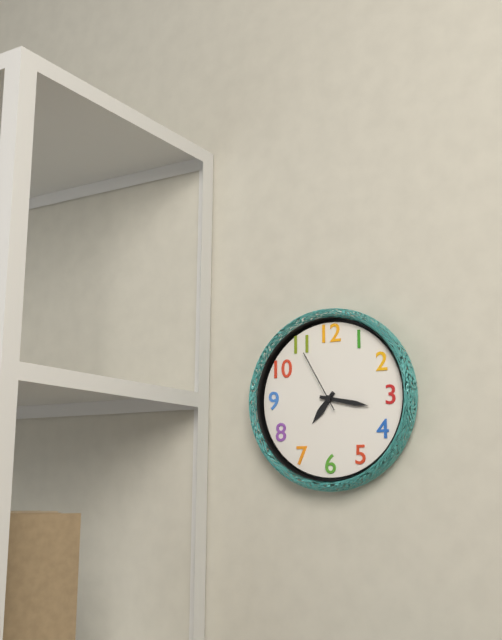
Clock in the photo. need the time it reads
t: 7:17:55
